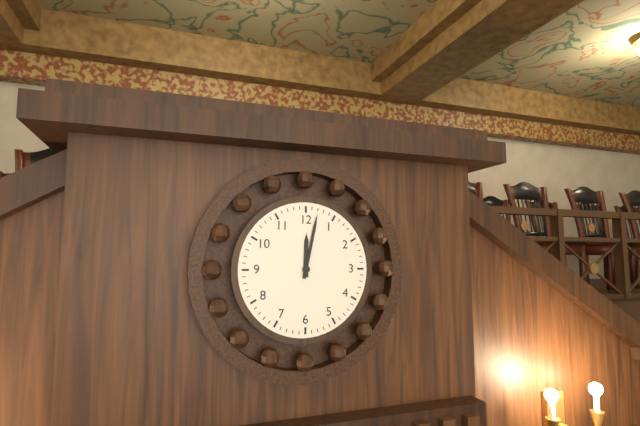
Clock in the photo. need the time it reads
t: 12:02
